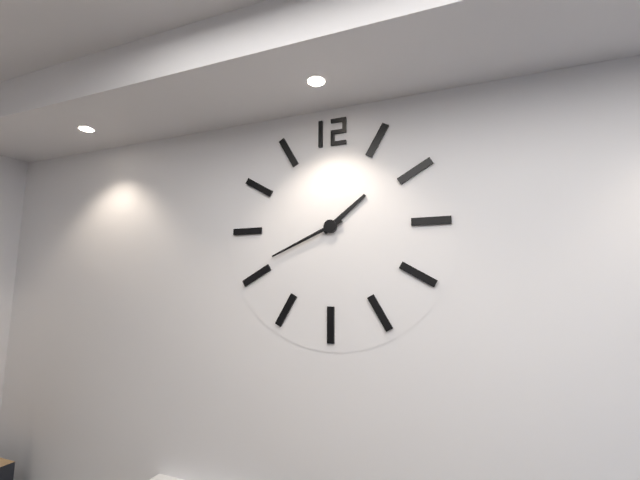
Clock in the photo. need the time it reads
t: 1:41
